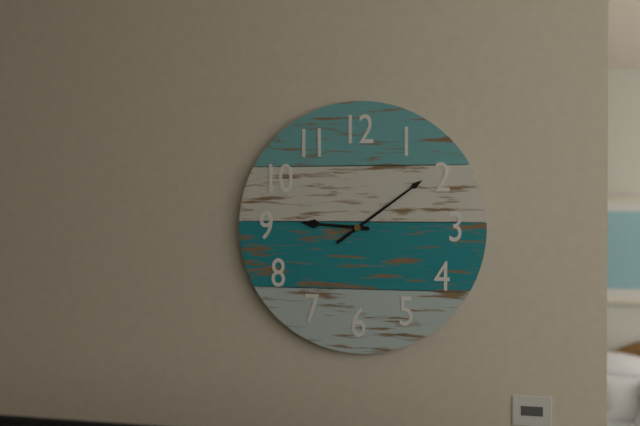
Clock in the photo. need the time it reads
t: 9:09
